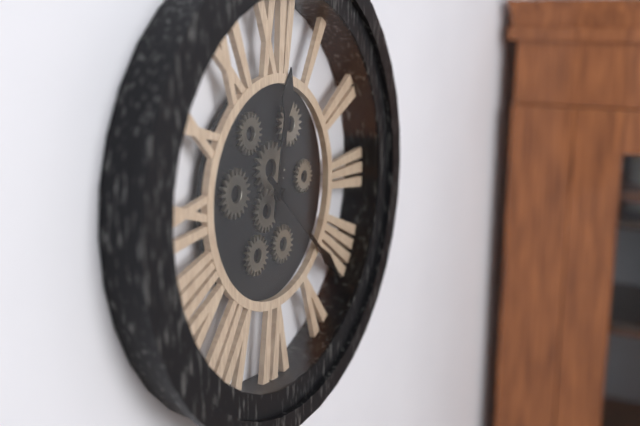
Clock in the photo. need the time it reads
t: 12:22
